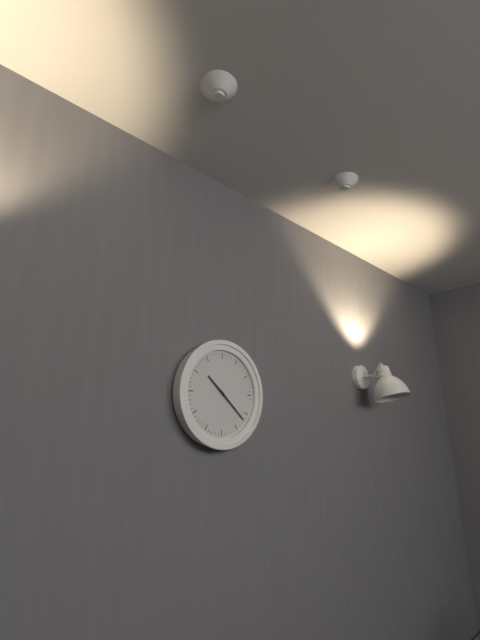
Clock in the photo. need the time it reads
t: 10:22
